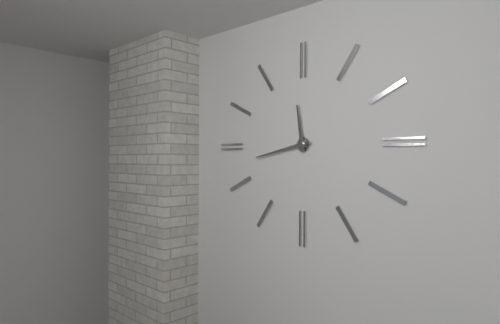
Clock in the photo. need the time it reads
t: 11:43
